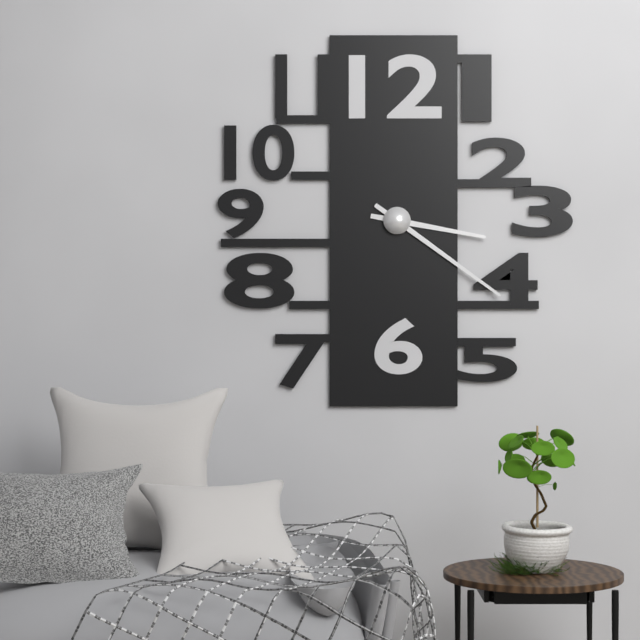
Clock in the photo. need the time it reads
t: 3:21
